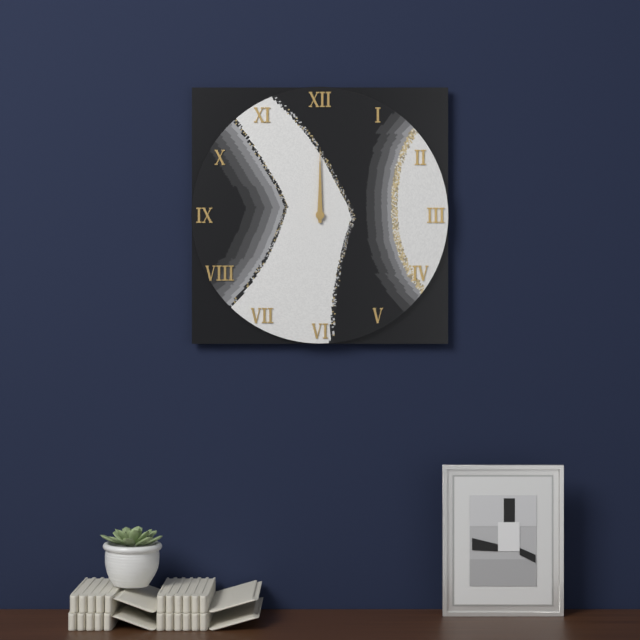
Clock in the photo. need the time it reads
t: 12:00
